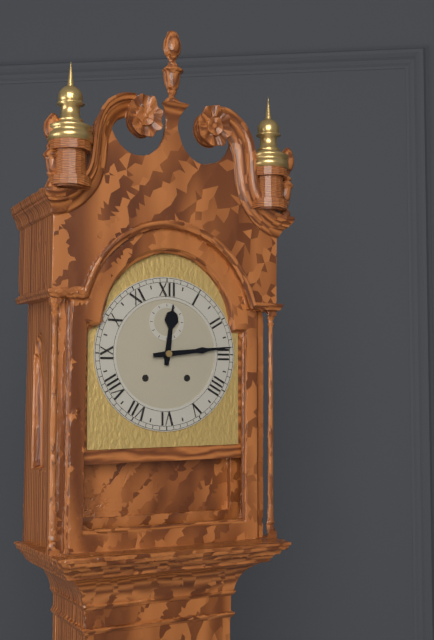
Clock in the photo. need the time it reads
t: 12:14
